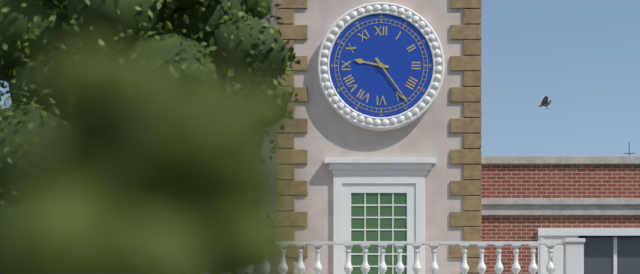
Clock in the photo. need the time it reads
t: 9:24
